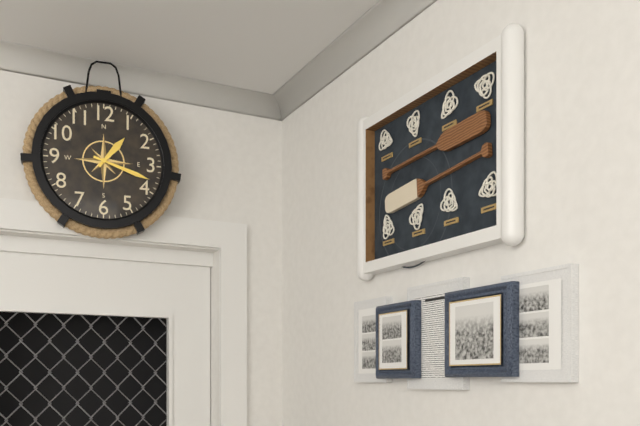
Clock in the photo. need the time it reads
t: 1:18
